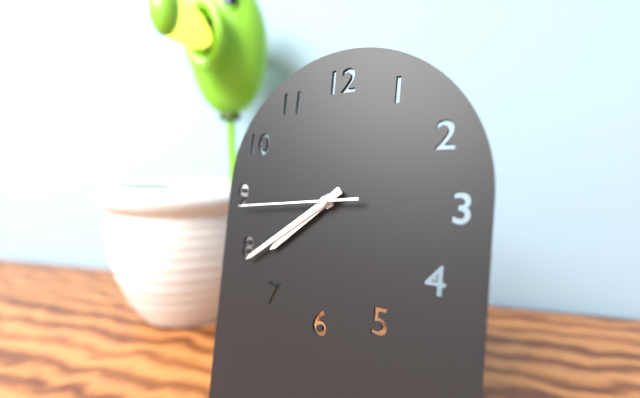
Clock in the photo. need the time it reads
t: 7:39:44
